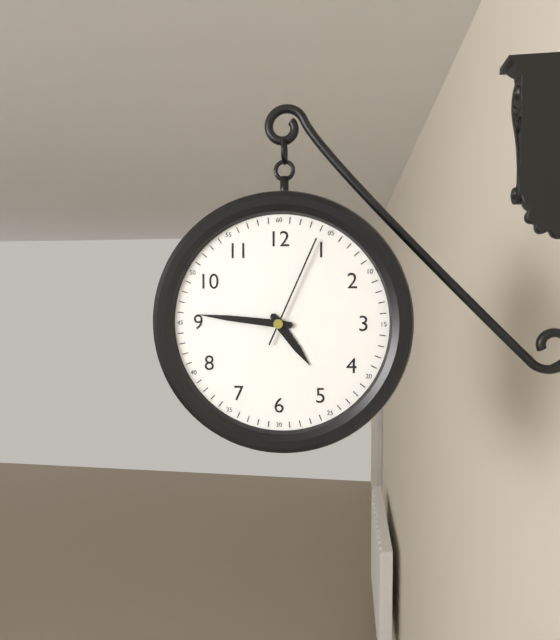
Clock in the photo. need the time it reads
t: 4:46:04
